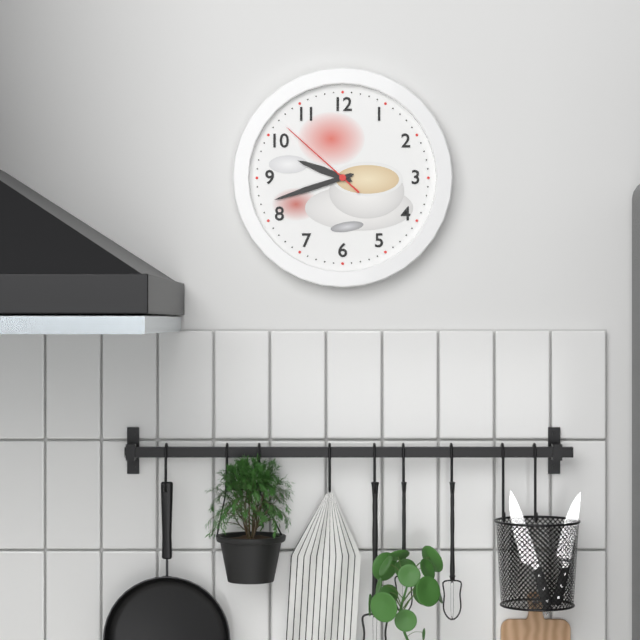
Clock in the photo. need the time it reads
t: 9:42:52
